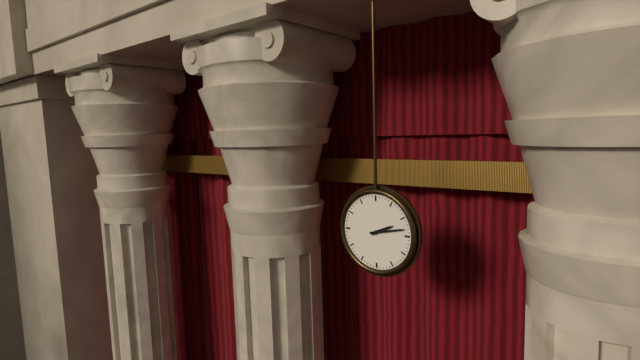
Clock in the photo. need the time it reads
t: 2:13
